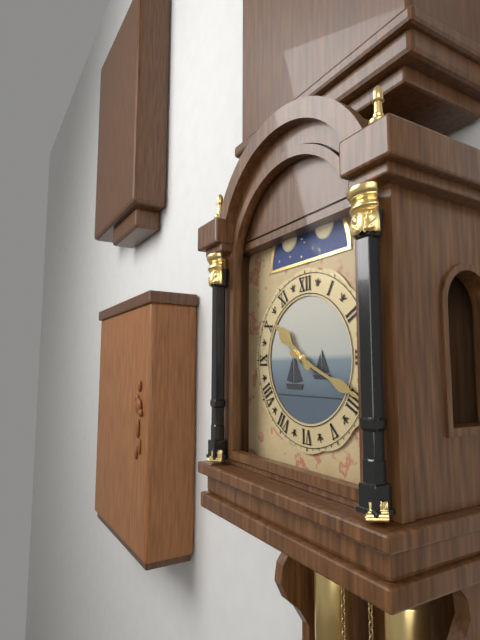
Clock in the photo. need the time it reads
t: 10:19
